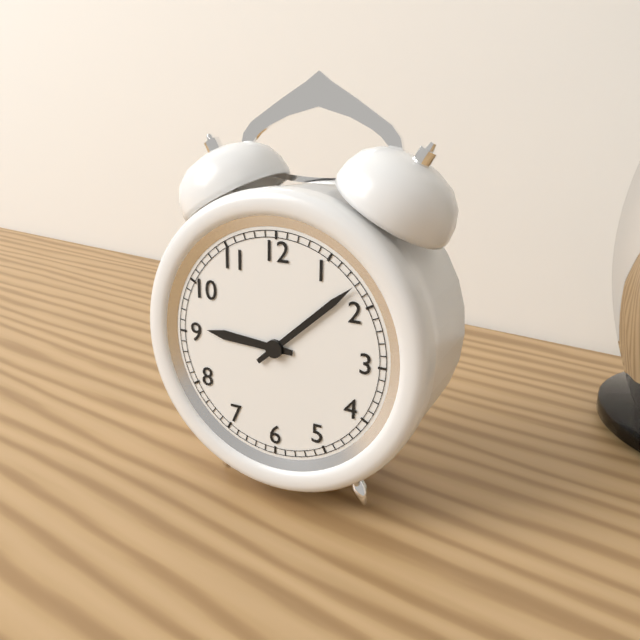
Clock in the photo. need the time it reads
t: 9:08
